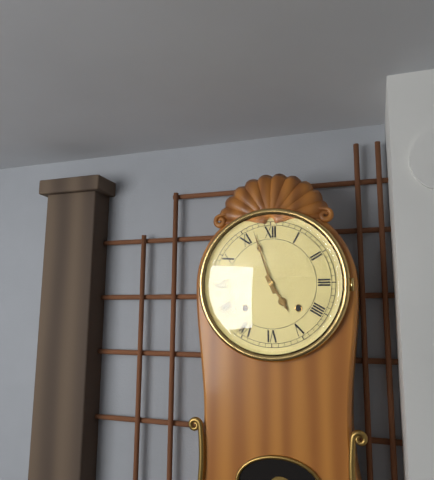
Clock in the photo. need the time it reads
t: 4:57
